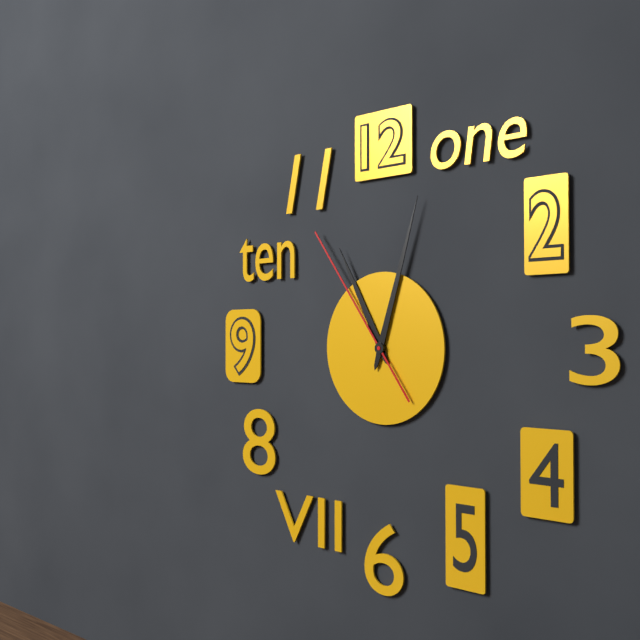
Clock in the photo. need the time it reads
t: 11:03:54
